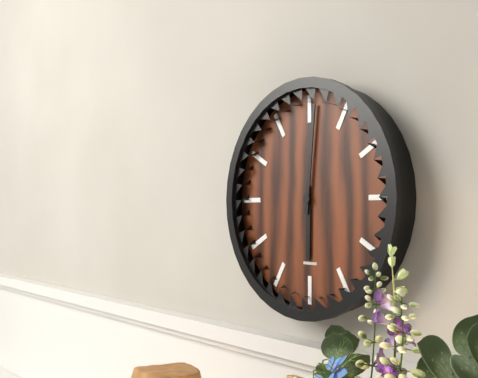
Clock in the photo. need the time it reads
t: 6:01
